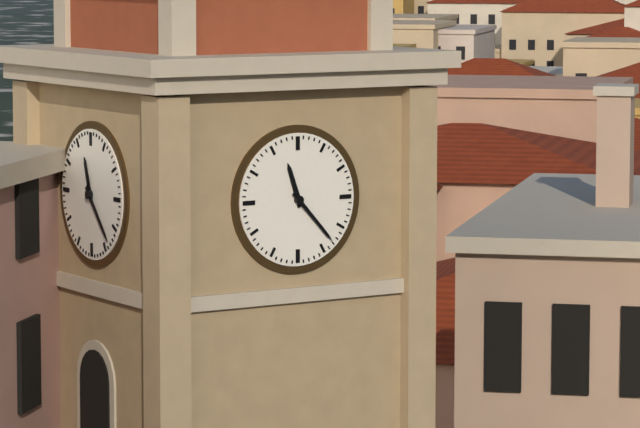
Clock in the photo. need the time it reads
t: 11:23
